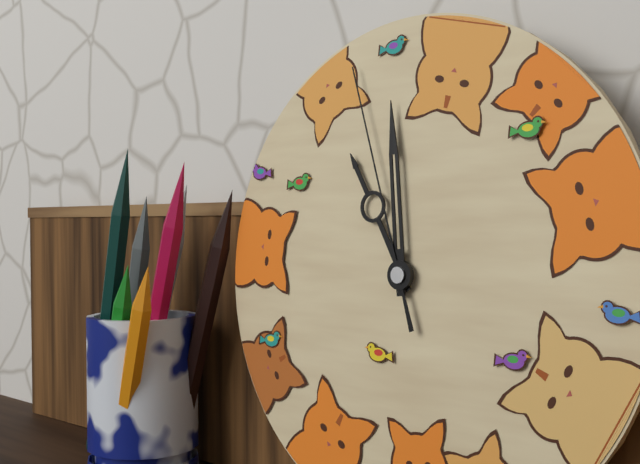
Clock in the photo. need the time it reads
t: 10:59:57
